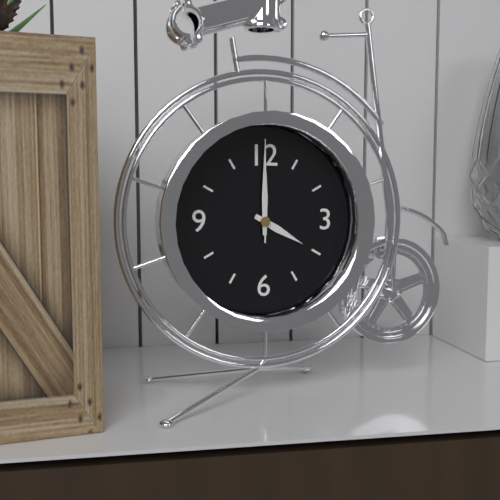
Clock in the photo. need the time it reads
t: 4:00:00
